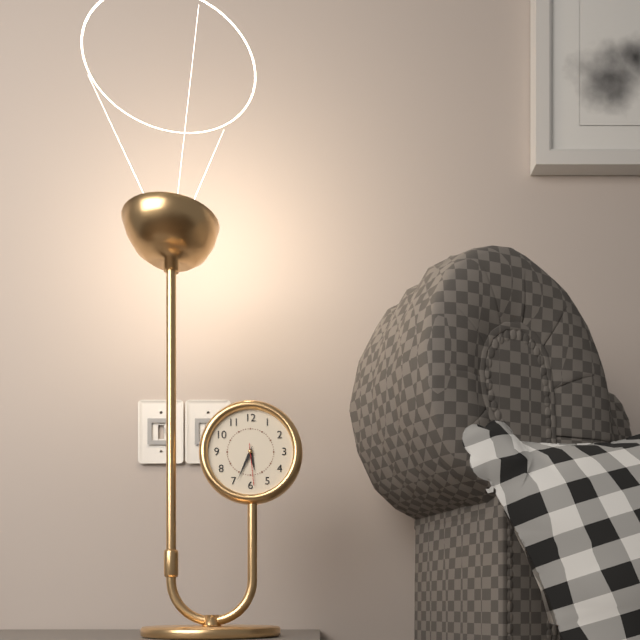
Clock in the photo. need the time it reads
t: 5:34
